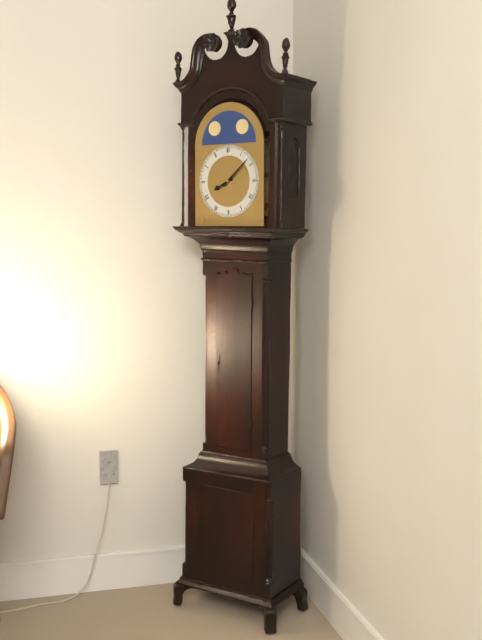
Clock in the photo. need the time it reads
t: 8:08
